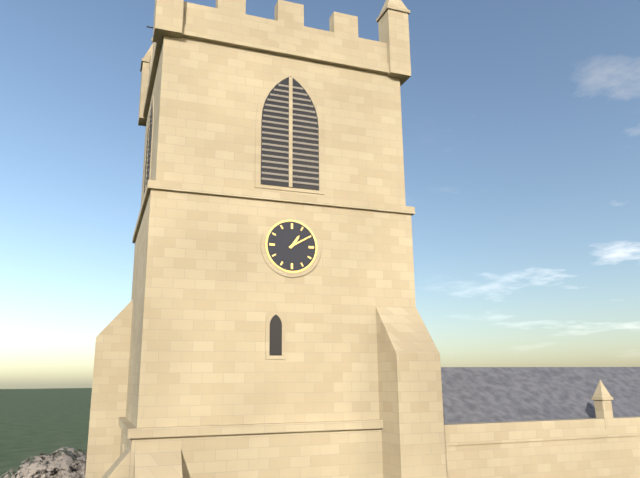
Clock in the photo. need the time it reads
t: 1:10
